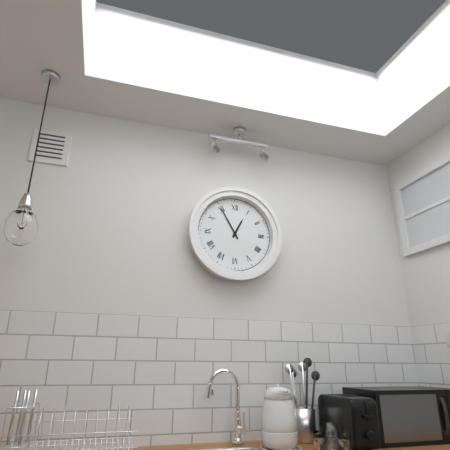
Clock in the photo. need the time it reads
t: 12:55
